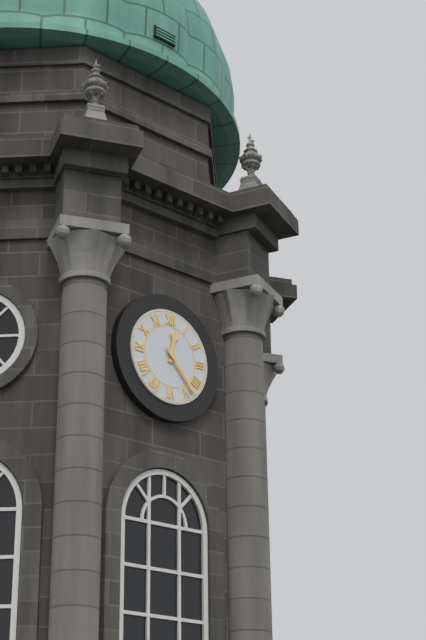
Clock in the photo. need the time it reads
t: 12:23
